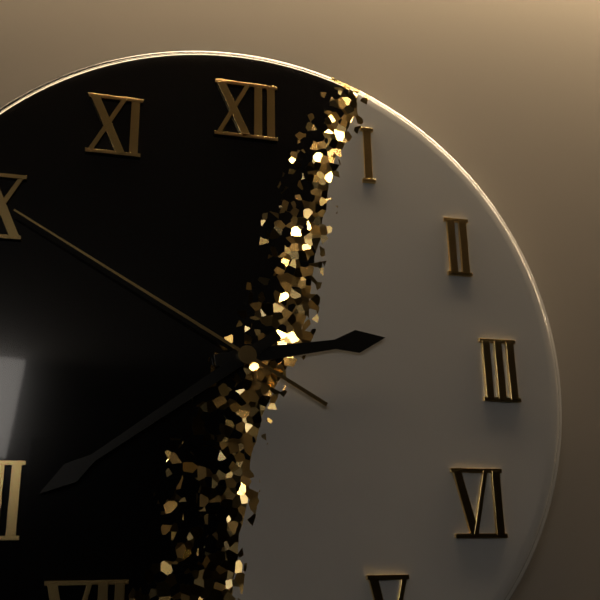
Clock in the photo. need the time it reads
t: 2:39:50
